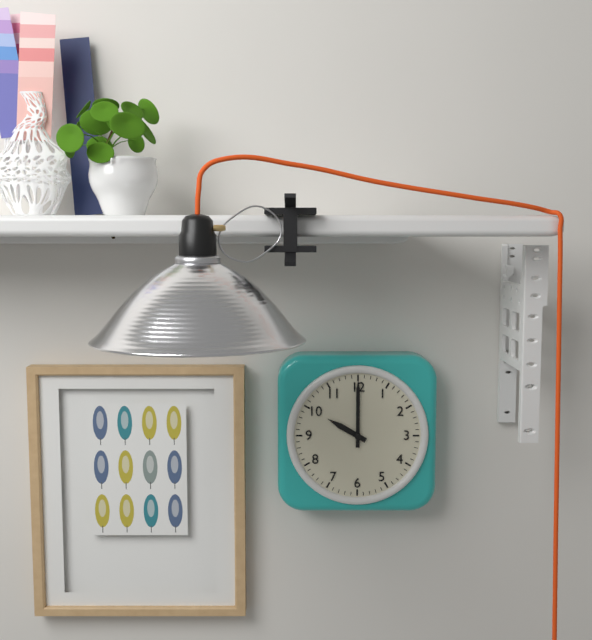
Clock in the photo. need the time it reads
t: 10:00
